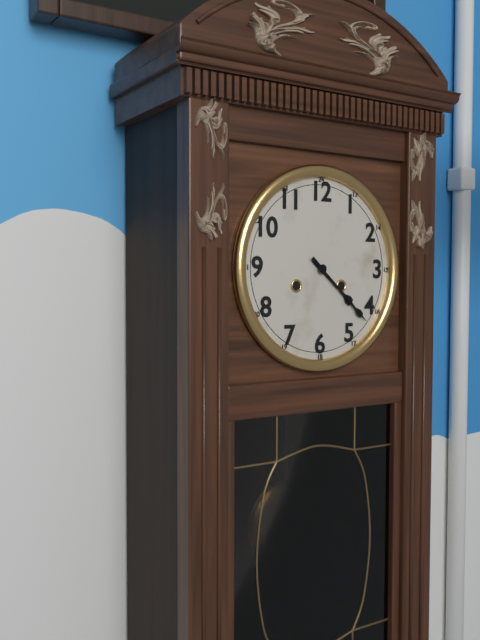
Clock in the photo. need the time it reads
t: 4:22
